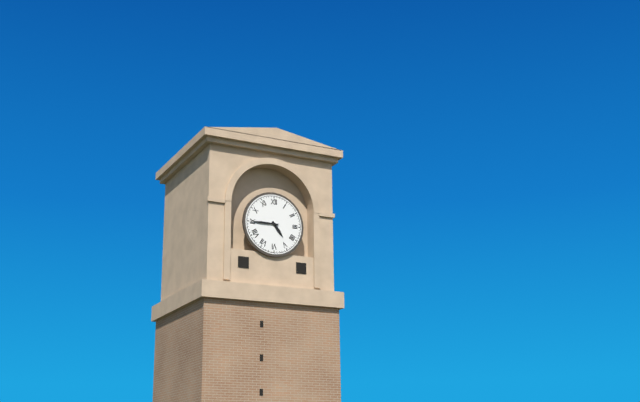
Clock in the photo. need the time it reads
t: 4:45
